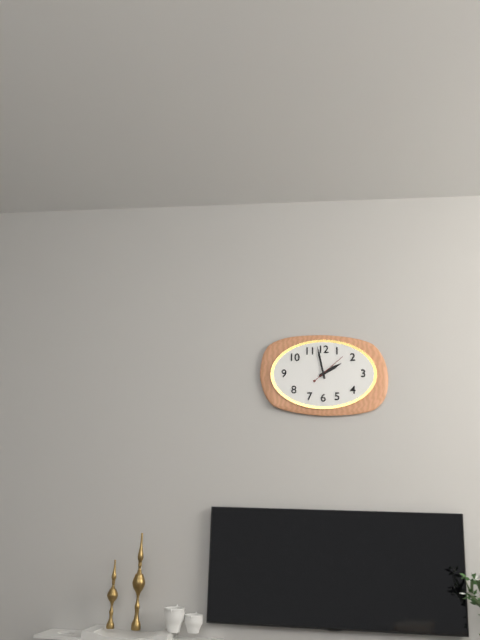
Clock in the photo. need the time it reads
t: 1:58
